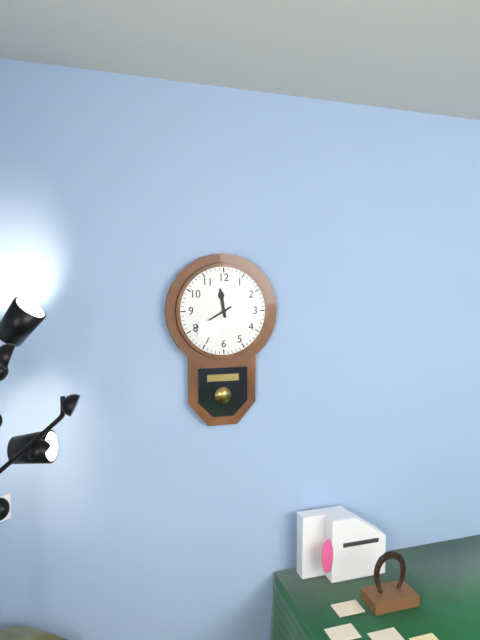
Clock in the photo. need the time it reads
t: 11:40
